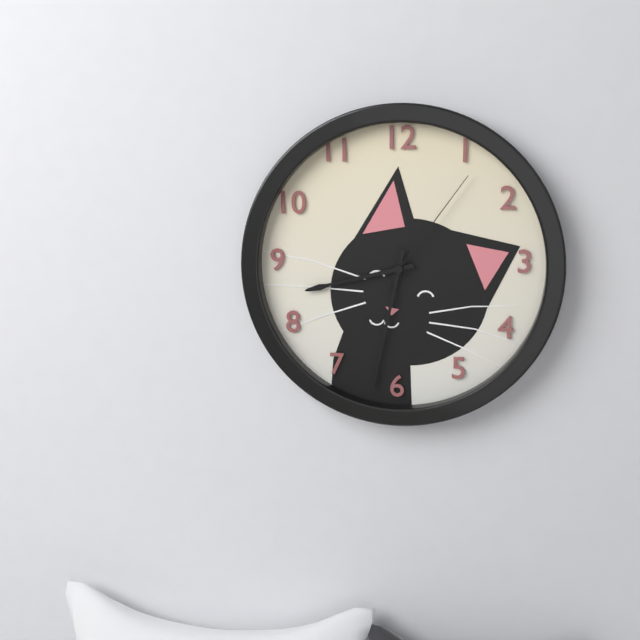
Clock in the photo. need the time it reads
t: 8:32:06
